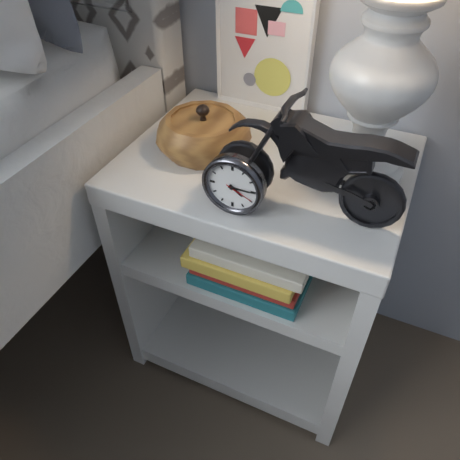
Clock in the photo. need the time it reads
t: 4:15
